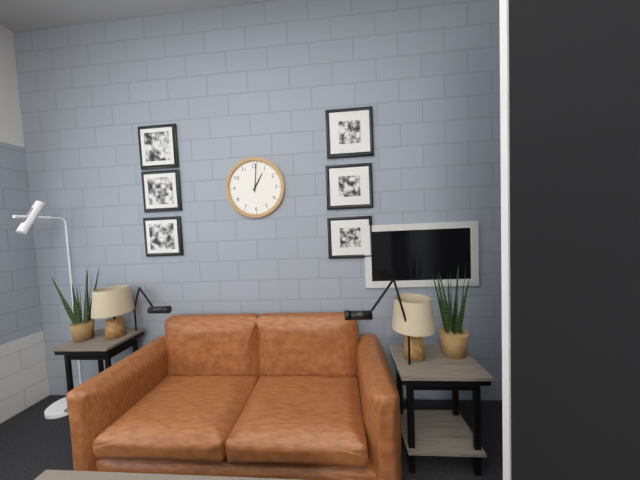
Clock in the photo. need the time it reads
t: 1:01
